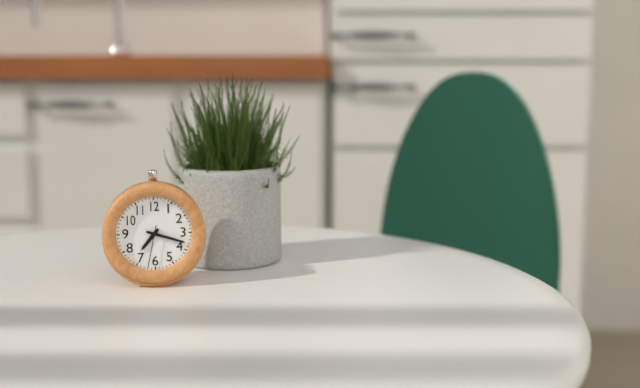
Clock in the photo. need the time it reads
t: 7:18
